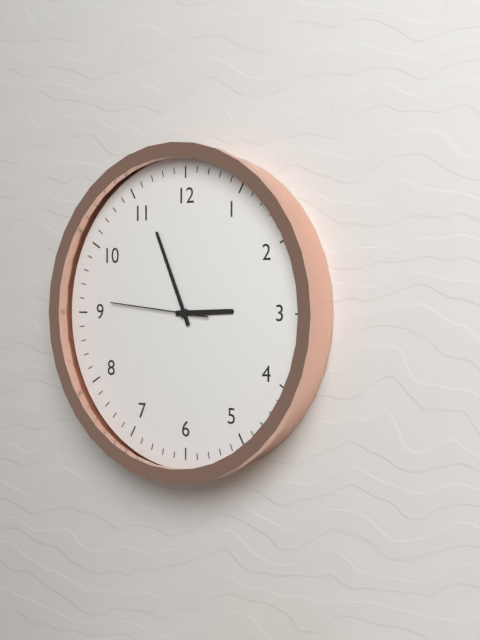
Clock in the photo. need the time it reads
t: 2:56:46
